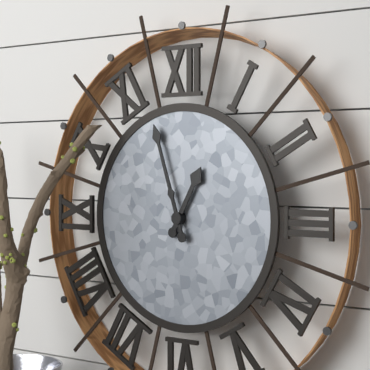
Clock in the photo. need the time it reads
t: 12:57
